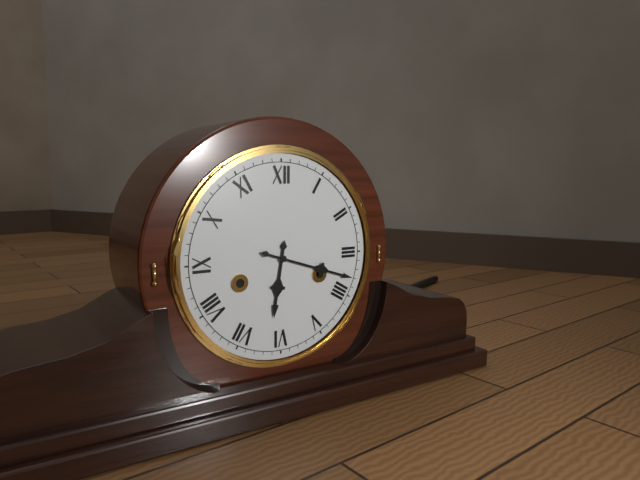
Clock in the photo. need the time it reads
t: 6:18
